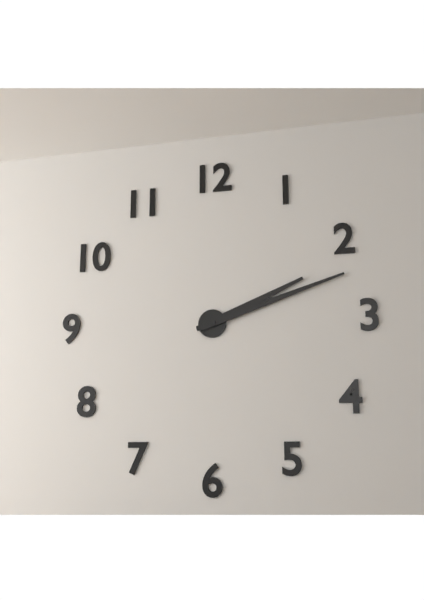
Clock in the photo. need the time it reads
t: 2:12
